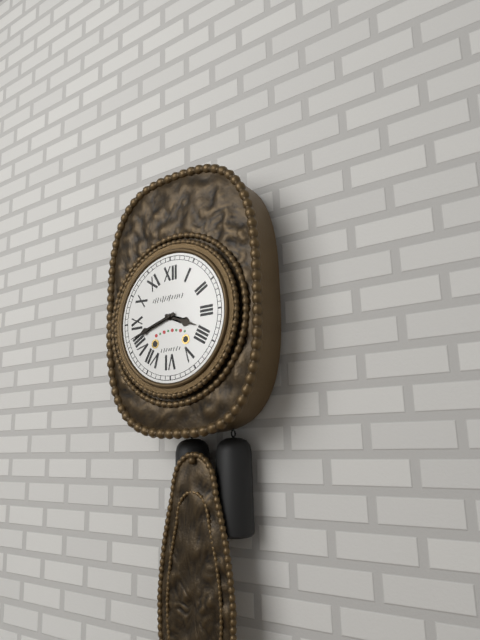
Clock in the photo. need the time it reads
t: 3:42
